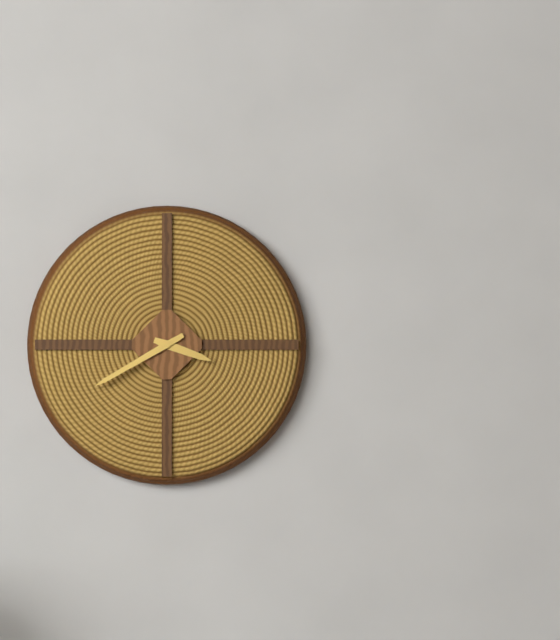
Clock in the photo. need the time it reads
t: 3:40
